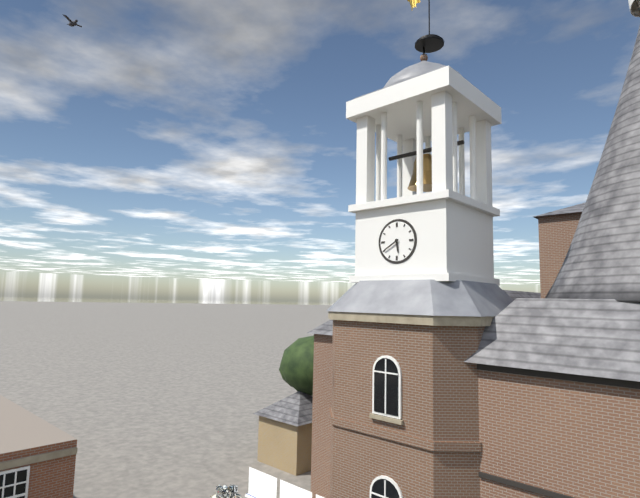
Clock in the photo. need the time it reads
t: 5:40
